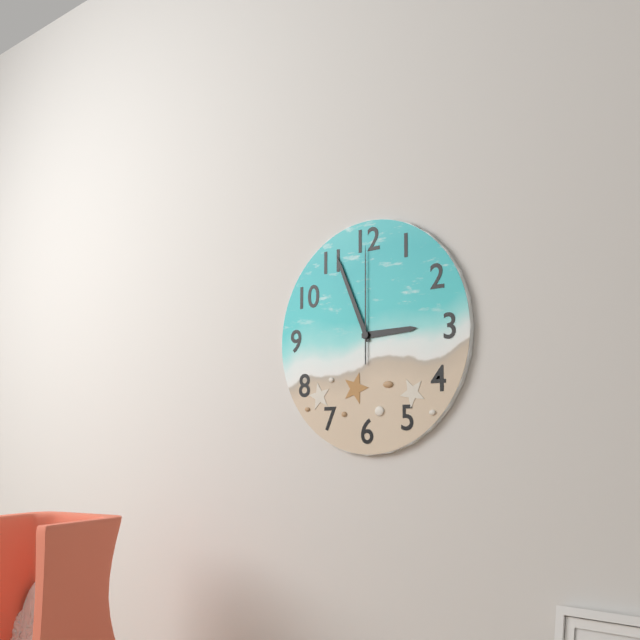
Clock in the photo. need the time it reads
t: 2:56:00
